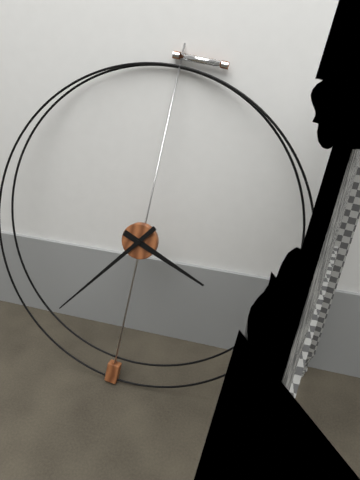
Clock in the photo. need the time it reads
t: 3:36
